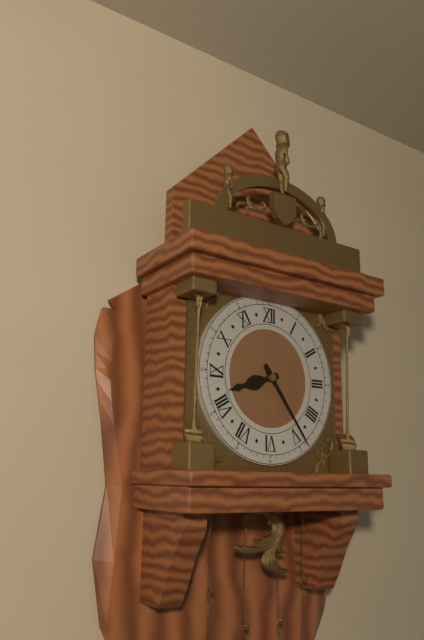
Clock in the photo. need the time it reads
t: 8:24
